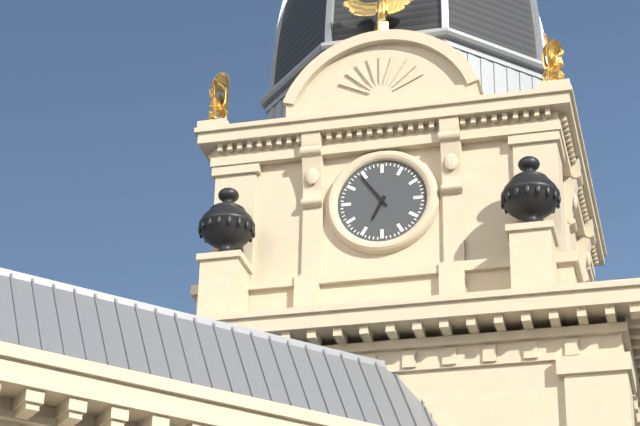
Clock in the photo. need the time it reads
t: 6:54
